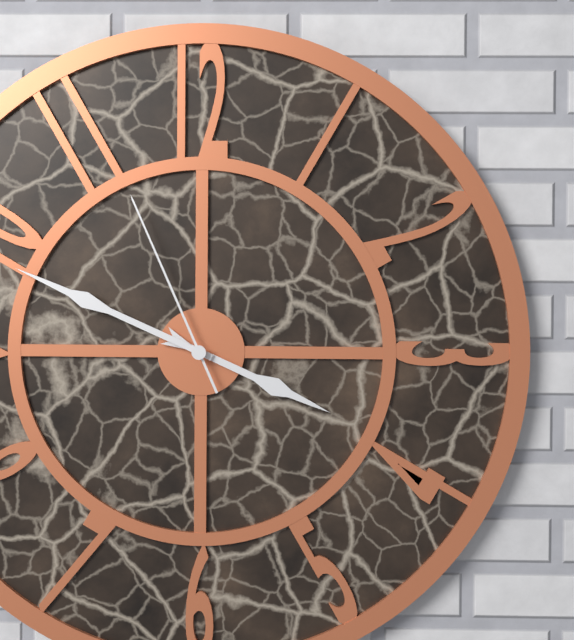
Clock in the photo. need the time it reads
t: 3:49:56
